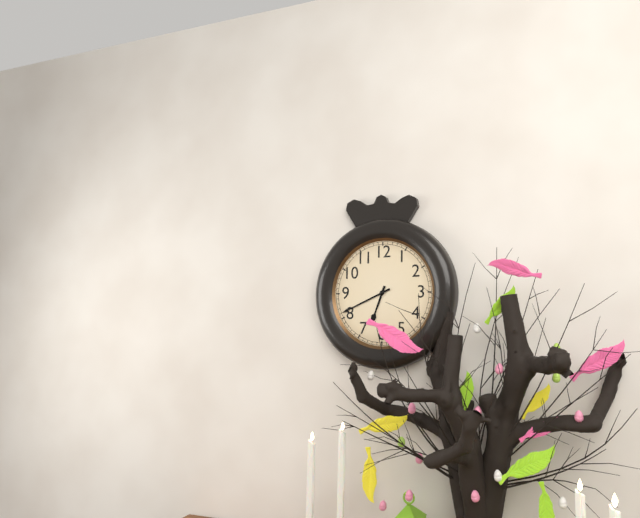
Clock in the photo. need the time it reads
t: 6:41
